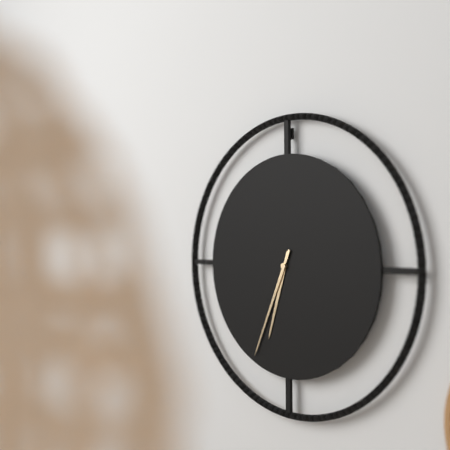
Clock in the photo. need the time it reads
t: 6:34
